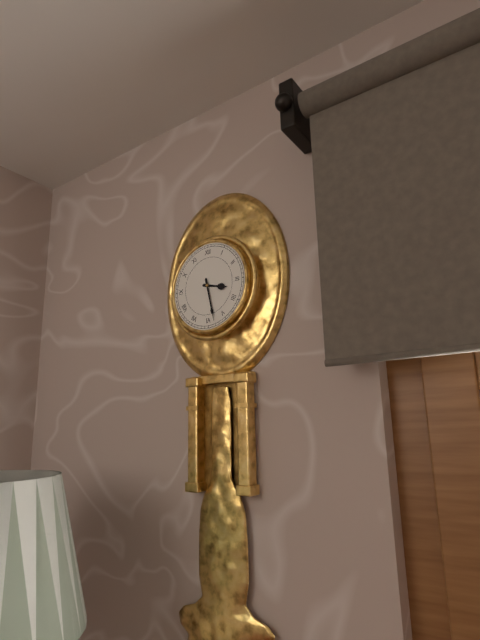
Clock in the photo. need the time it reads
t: 3:28
